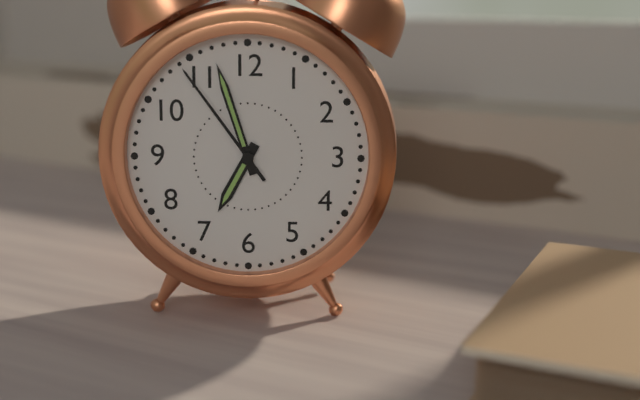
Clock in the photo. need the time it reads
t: 6:57:54
